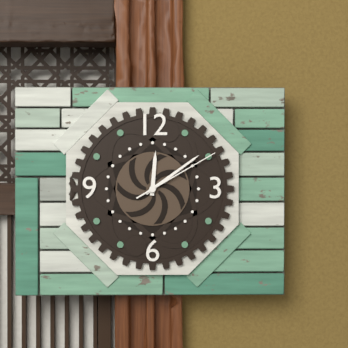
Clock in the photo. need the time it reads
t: 12:09:10
